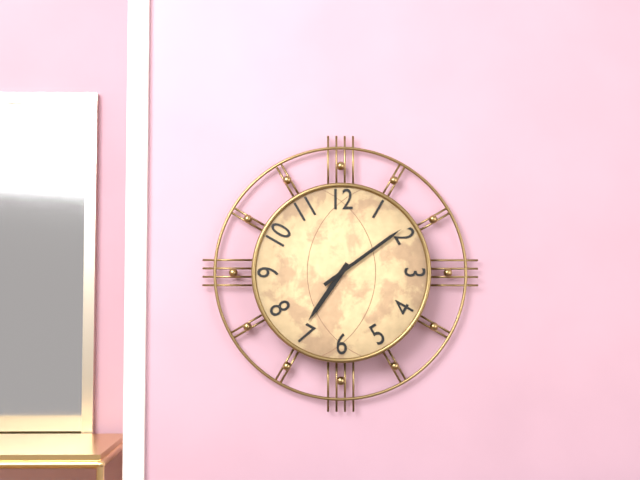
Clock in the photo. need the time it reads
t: 7:09
